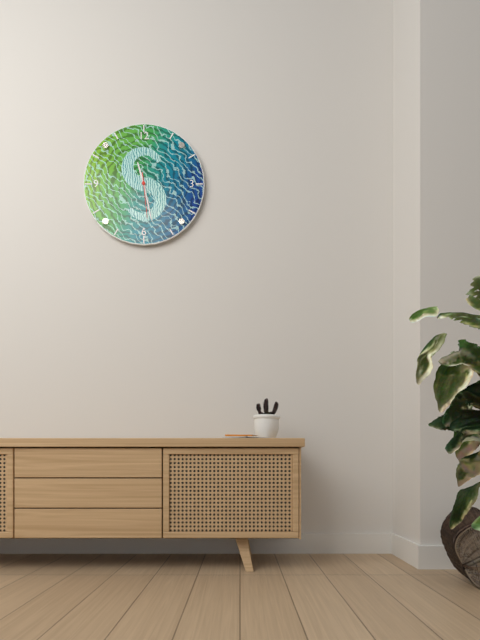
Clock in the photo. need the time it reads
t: 11:28
